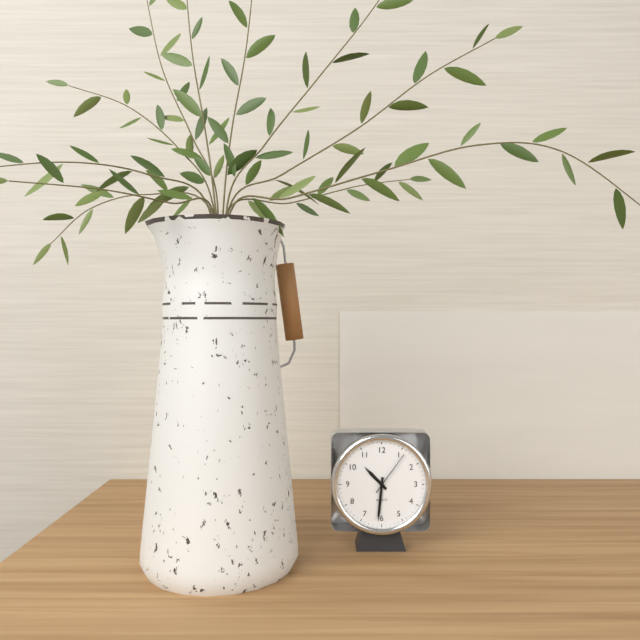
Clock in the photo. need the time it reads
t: 10:31
